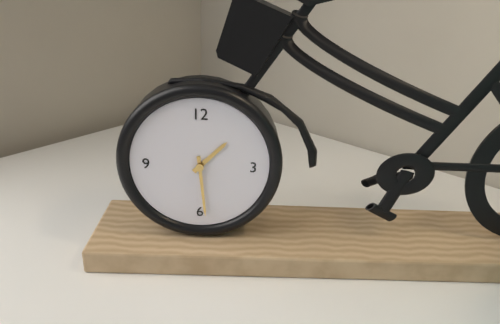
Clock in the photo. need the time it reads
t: 1:29
